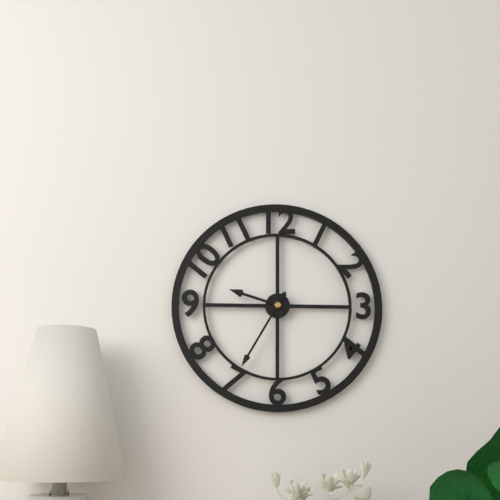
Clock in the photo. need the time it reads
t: 9:35
